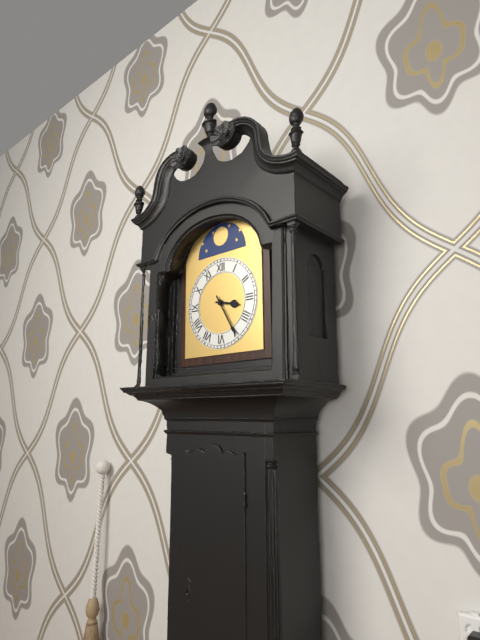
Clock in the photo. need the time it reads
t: 3:25
